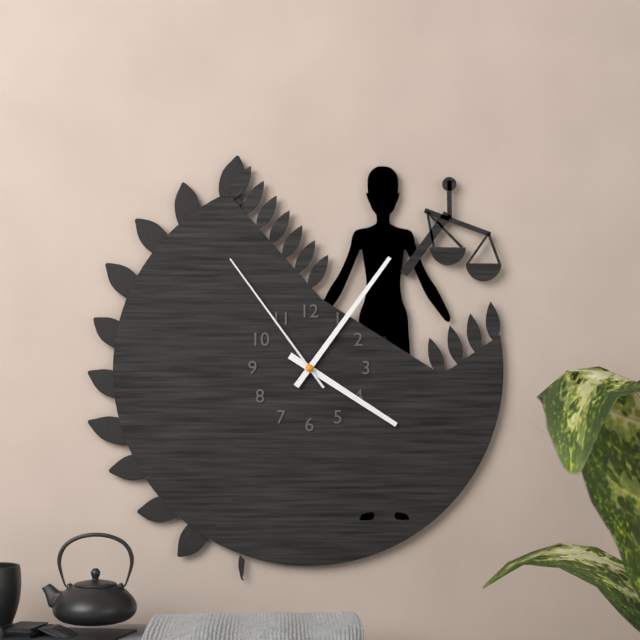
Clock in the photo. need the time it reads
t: 4:06:54
